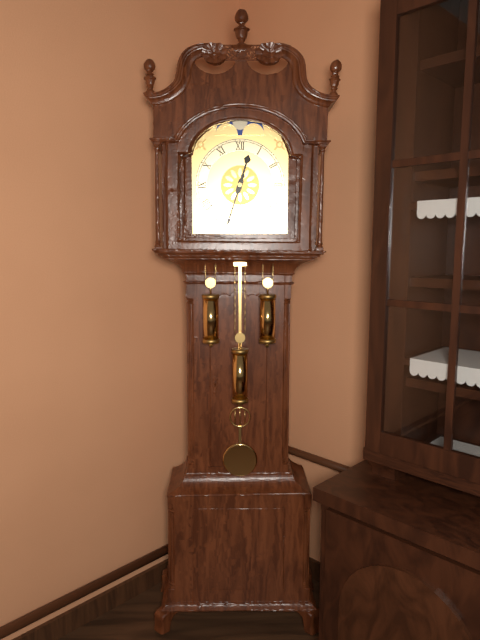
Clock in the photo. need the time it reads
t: 12:33
